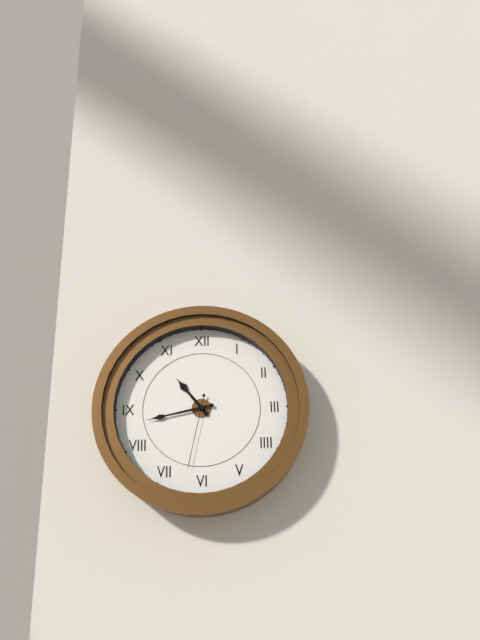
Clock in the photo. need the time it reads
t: 10:43:32
